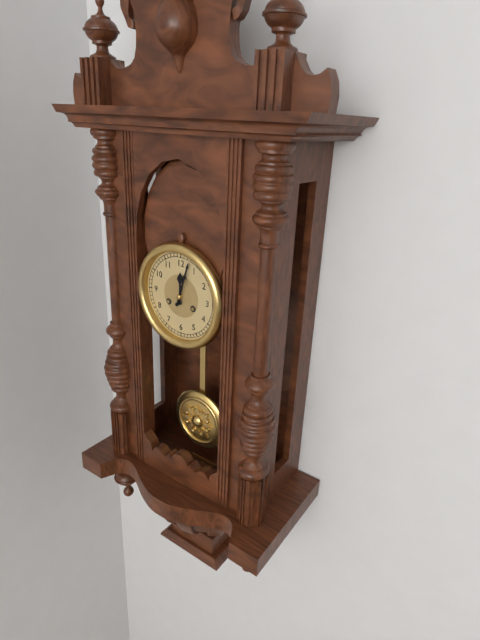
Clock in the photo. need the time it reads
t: 12:03
